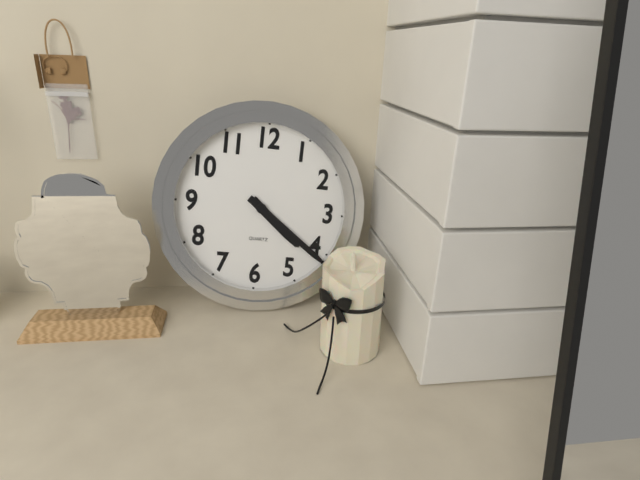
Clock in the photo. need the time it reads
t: 4:21
